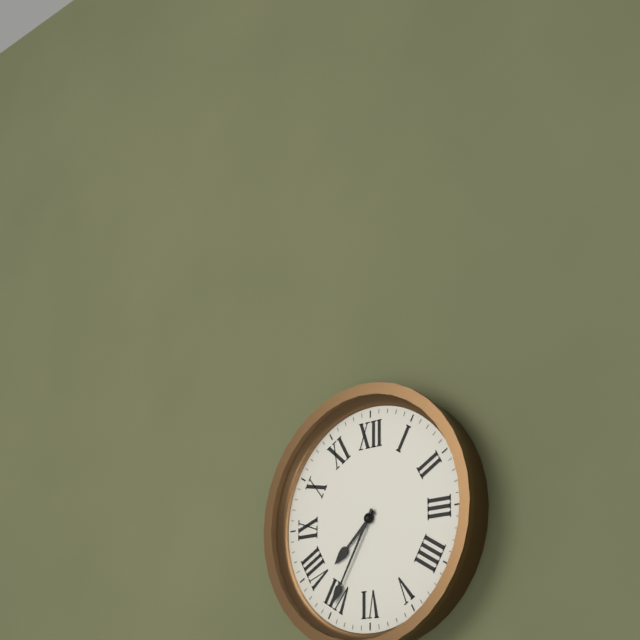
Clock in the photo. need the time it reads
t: 7:35
